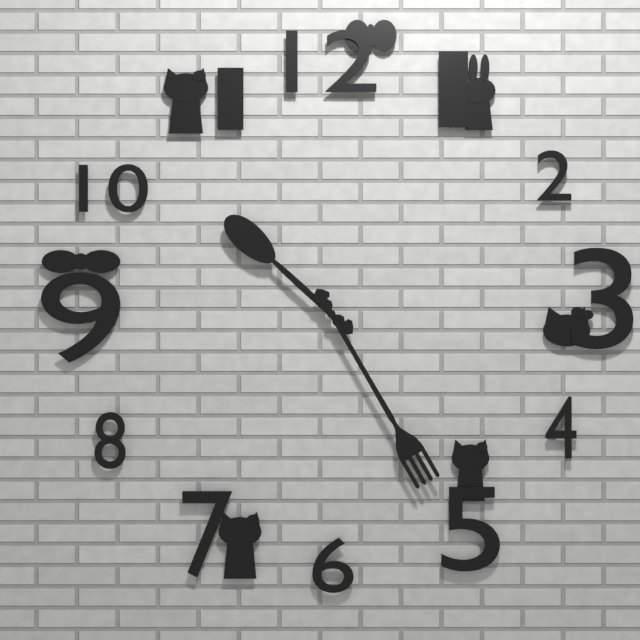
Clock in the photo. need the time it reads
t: 10:25
